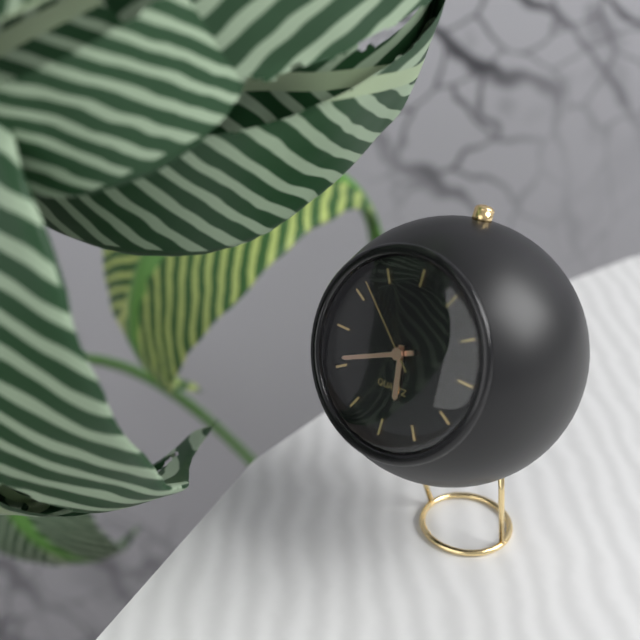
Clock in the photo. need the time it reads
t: 5:41:52
